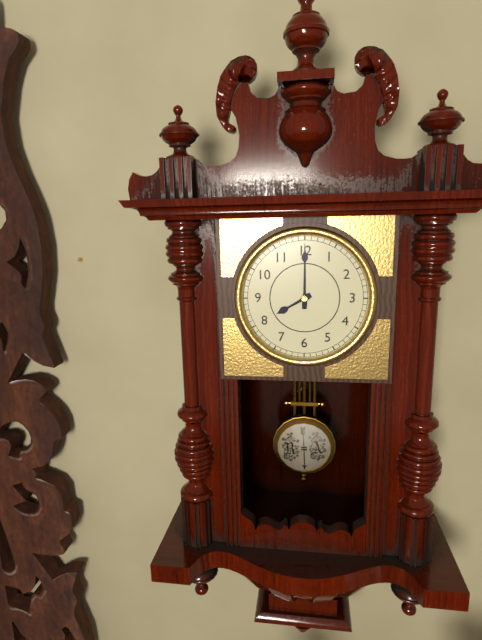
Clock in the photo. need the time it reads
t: 8:00
